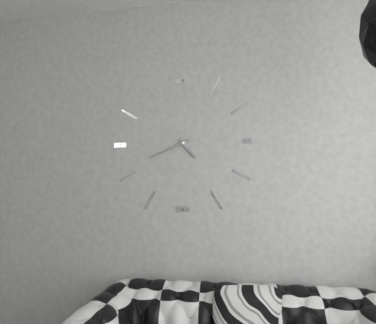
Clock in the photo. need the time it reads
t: 4:41
